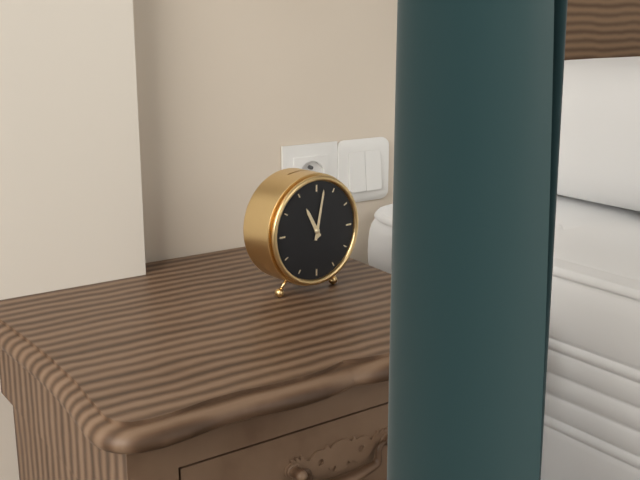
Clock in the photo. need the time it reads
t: 11:02
